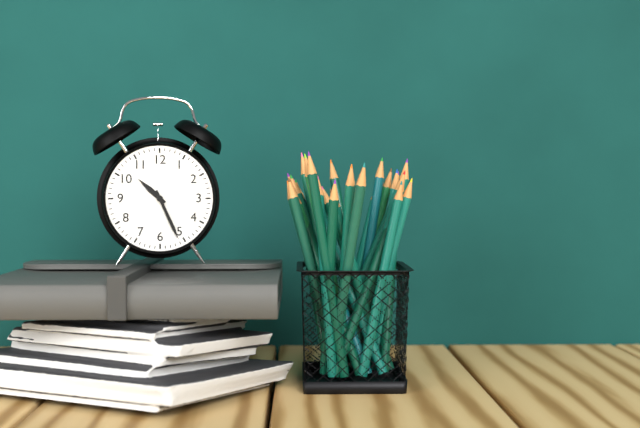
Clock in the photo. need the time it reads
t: 10:26
